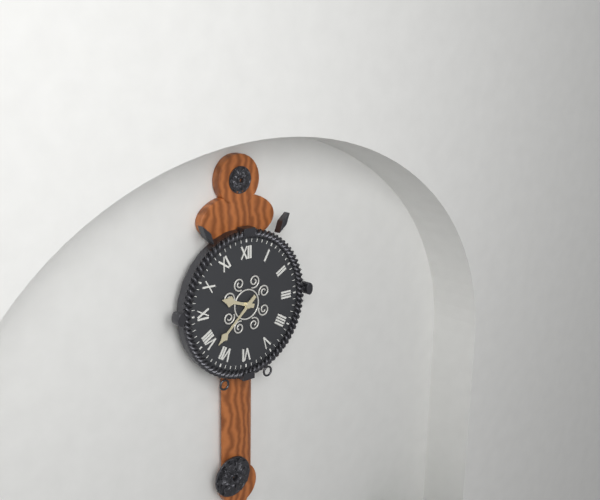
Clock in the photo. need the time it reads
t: 9:38
